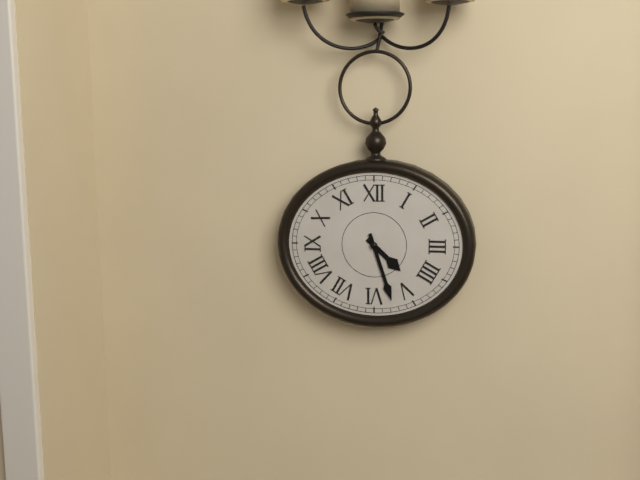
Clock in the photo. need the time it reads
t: 4:27
